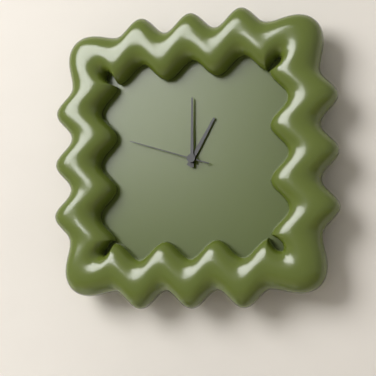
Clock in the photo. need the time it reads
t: 1:00:48
